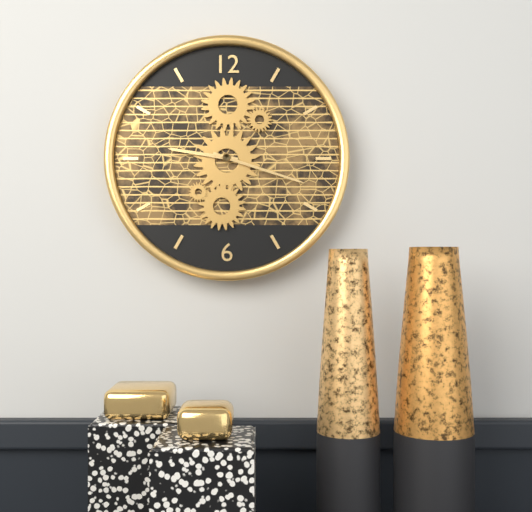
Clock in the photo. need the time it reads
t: 9:18
